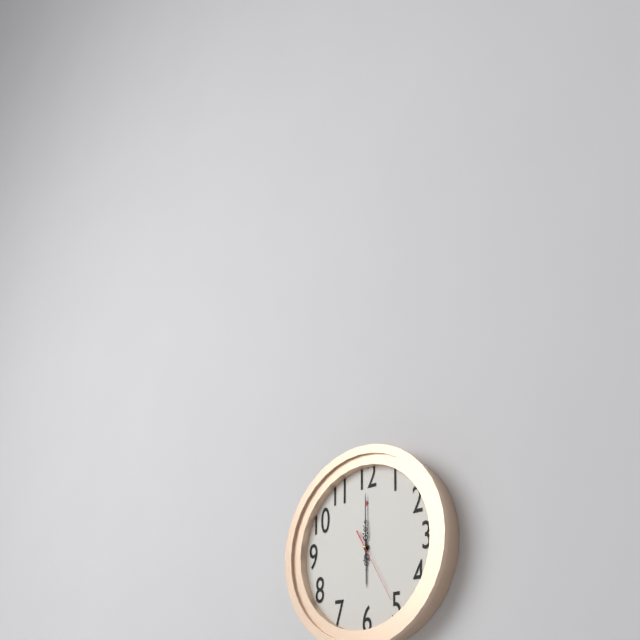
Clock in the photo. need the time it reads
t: 6:00:25
